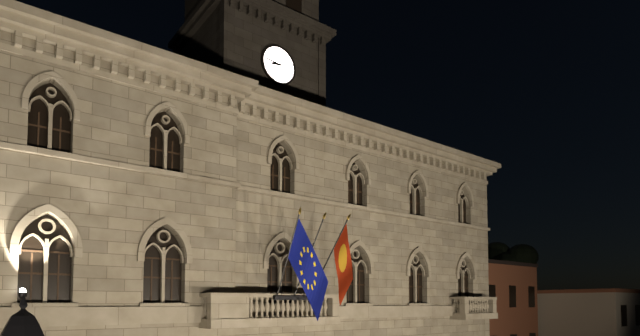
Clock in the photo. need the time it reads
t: 8:46
